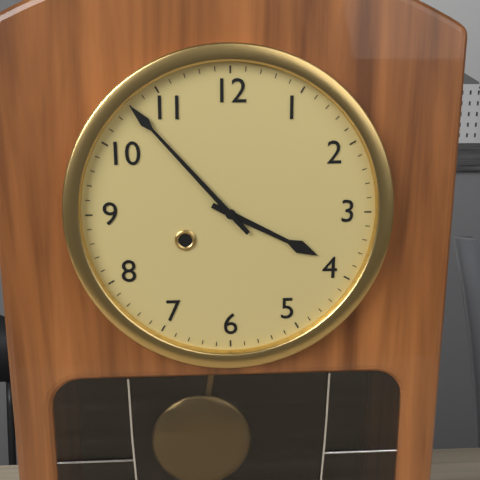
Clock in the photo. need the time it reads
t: 3:53
